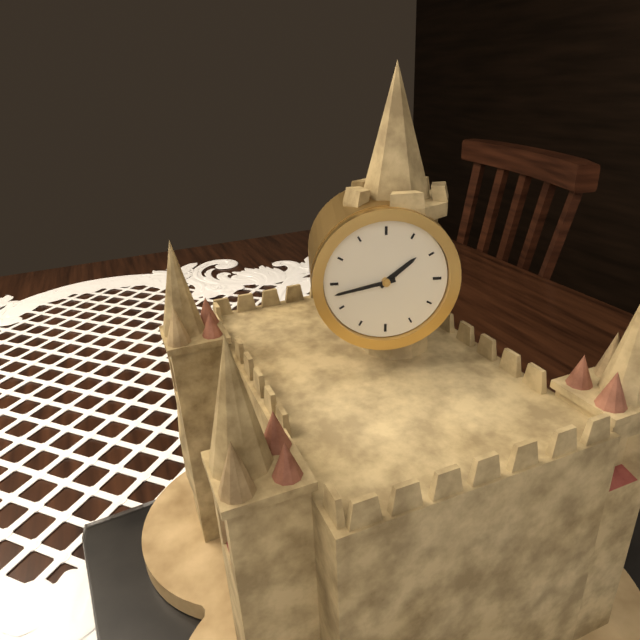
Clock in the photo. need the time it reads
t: 1:43
